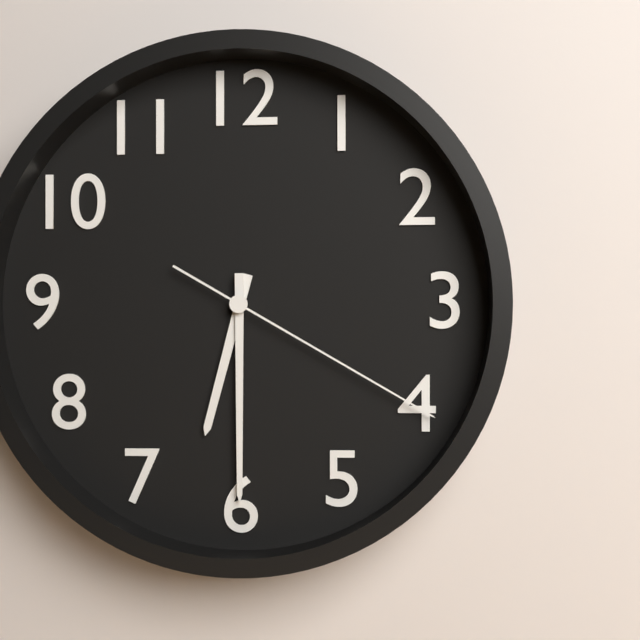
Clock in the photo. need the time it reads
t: 6:30:20
